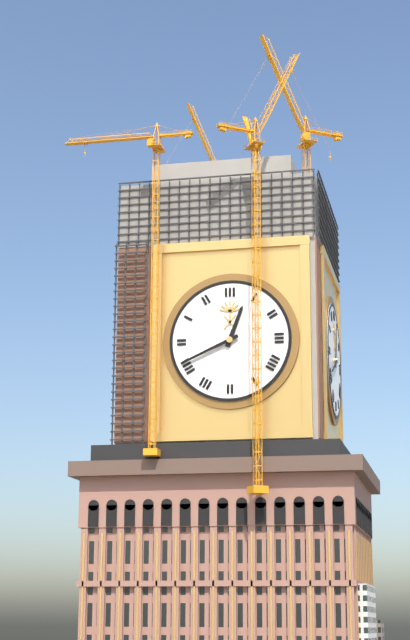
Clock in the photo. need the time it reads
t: 12:41
